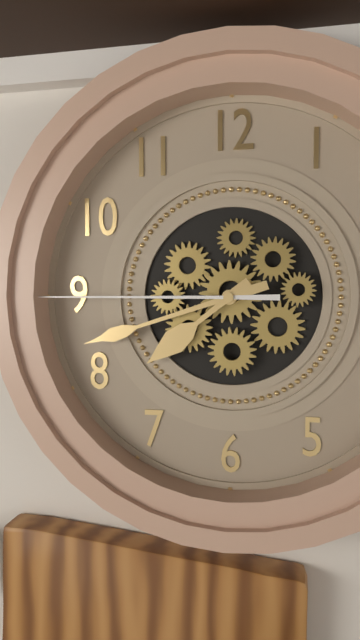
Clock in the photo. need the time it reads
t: 7:42:45
